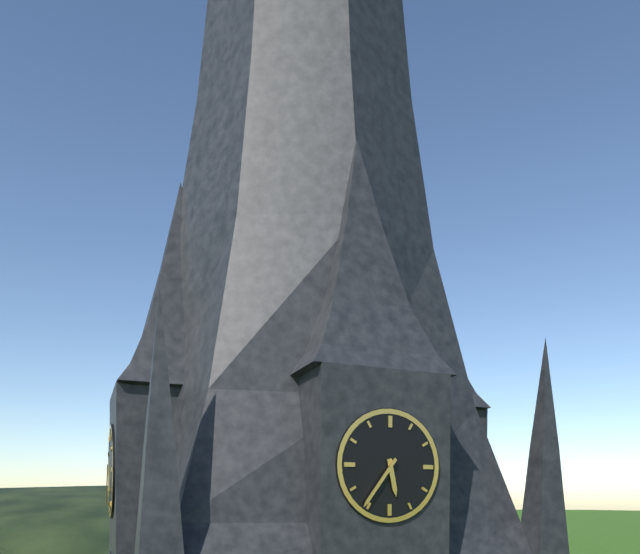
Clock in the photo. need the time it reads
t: 5:36
